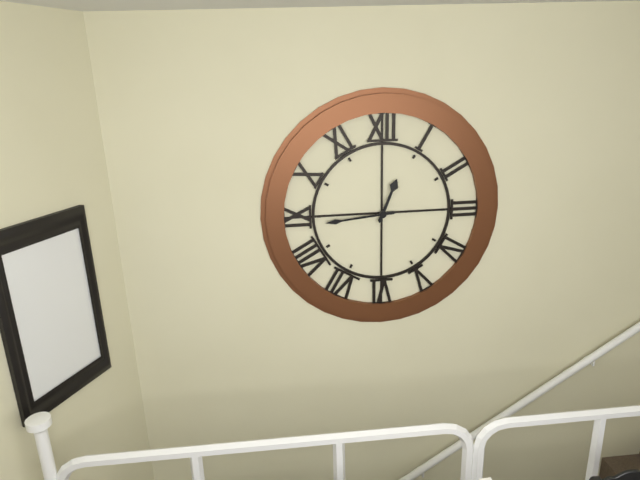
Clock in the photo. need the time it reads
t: 12:44
